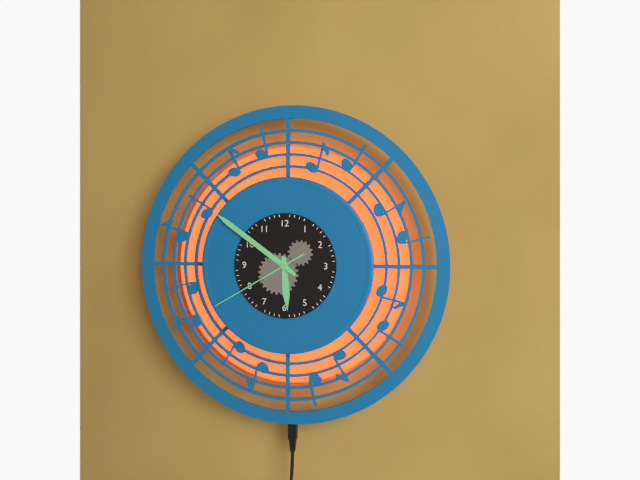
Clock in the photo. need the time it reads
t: 5:51:40
